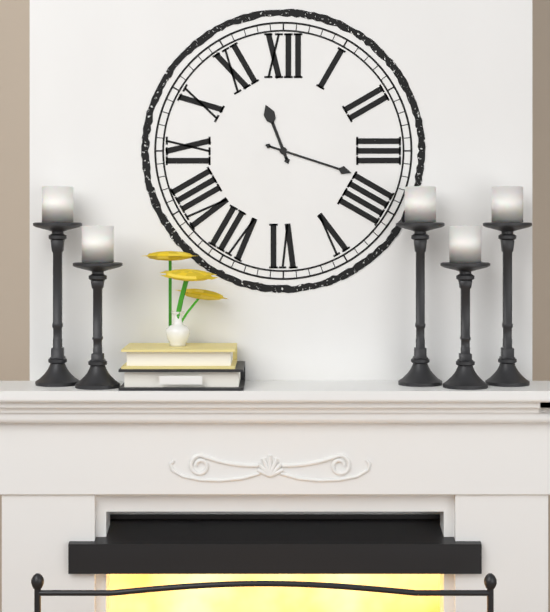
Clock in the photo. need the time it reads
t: 11:18
